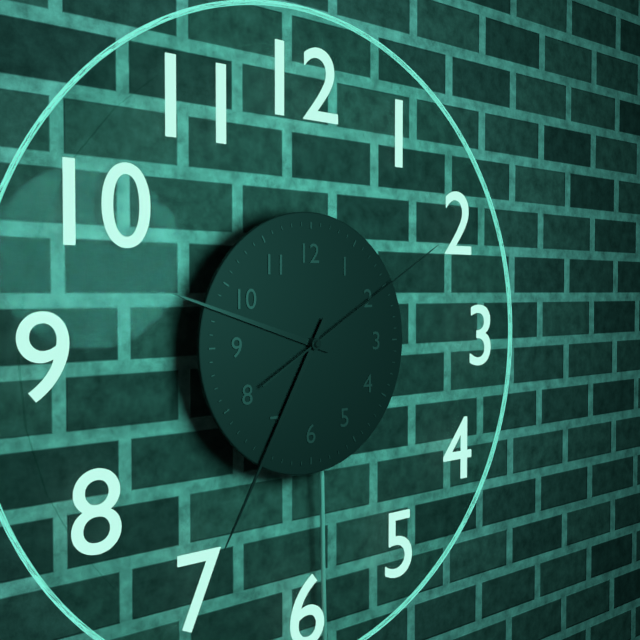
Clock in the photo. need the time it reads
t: 9:35:10
